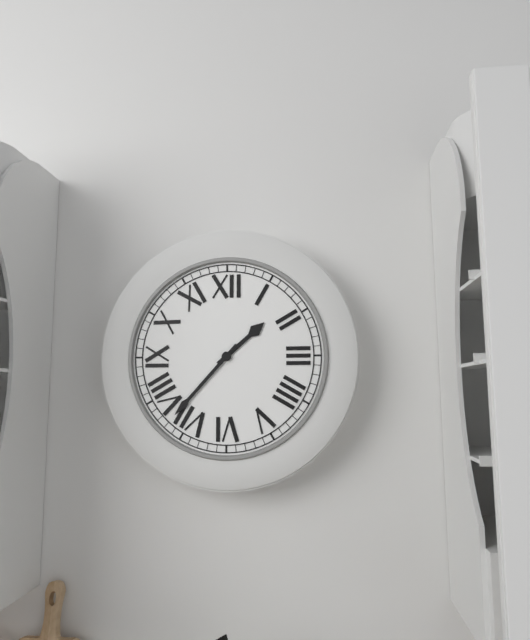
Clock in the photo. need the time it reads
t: 1:37
